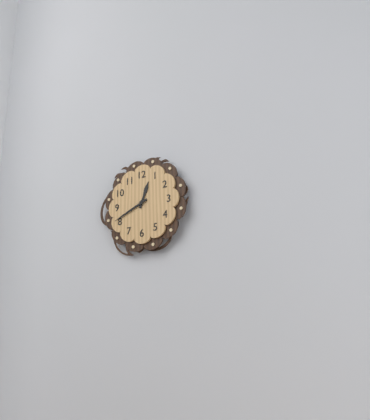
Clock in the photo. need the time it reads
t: 12:41
